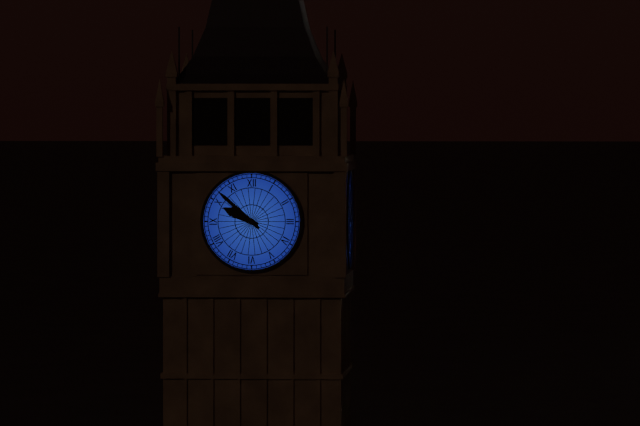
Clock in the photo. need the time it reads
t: 9:52
